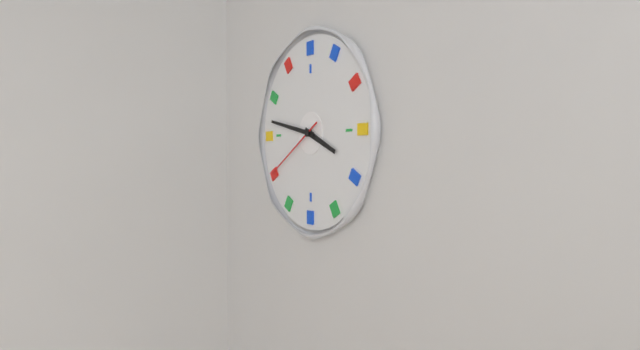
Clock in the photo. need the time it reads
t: 3:47:40
